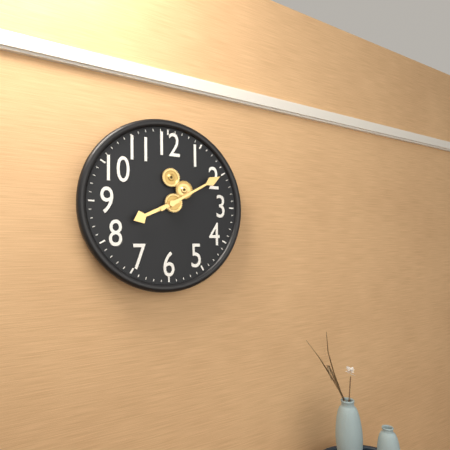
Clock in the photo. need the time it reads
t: 8:10
